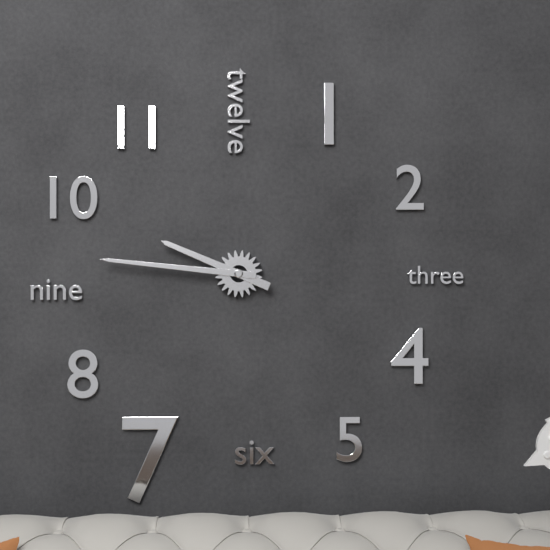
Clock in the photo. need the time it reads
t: 9:46
